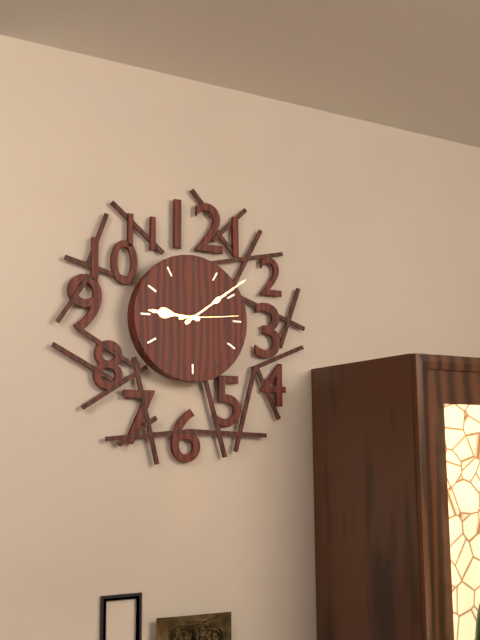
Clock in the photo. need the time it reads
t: 9:09:14
